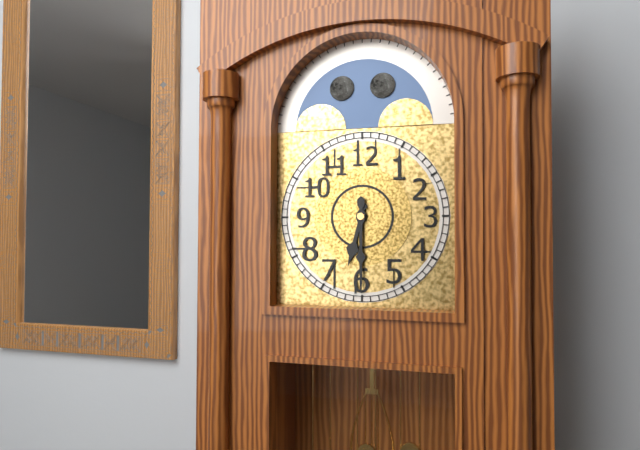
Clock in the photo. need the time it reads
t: 6:30
